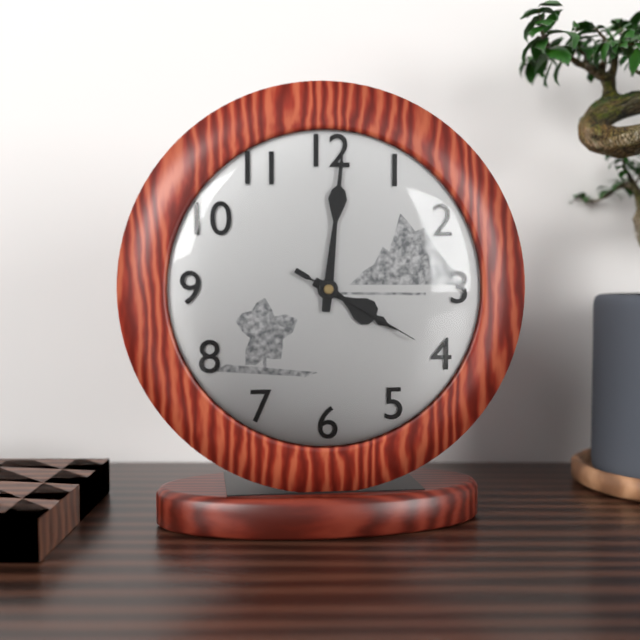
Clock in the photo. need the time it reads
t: 4:01:20
